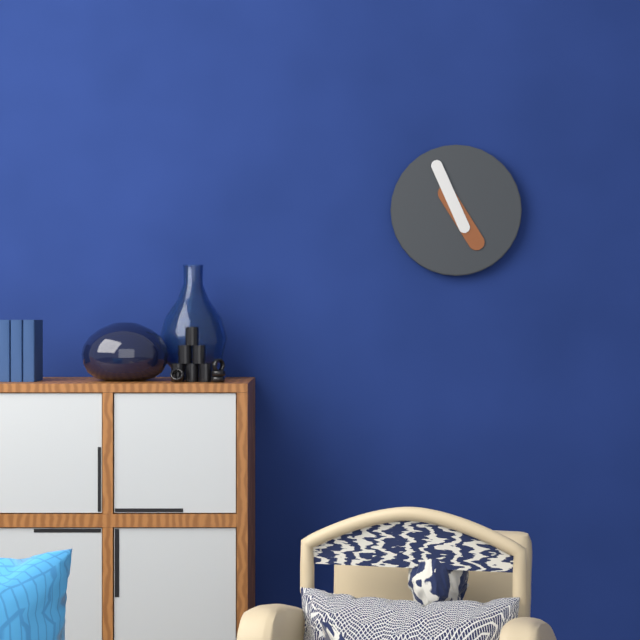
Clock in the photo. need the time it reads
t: 4:56
